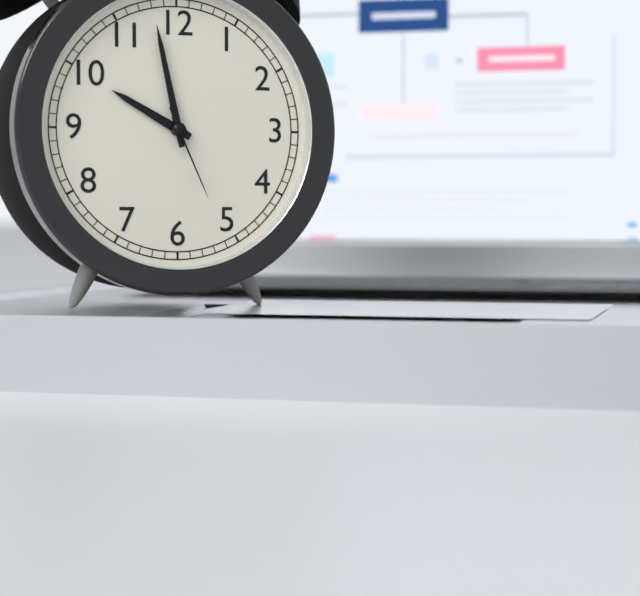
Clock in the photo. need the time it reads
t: 9:58:26
